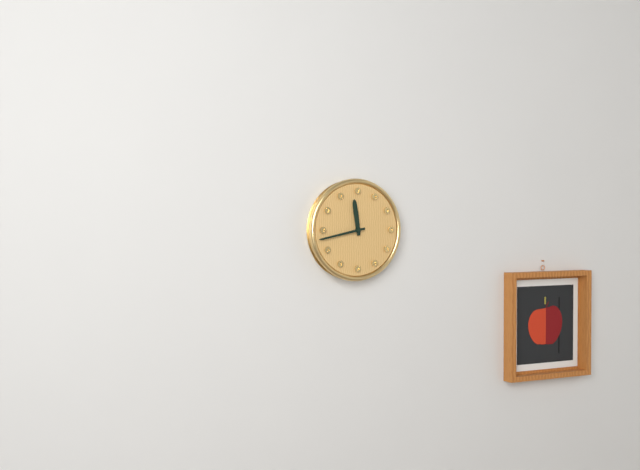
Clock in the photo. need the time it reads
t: 11:43
